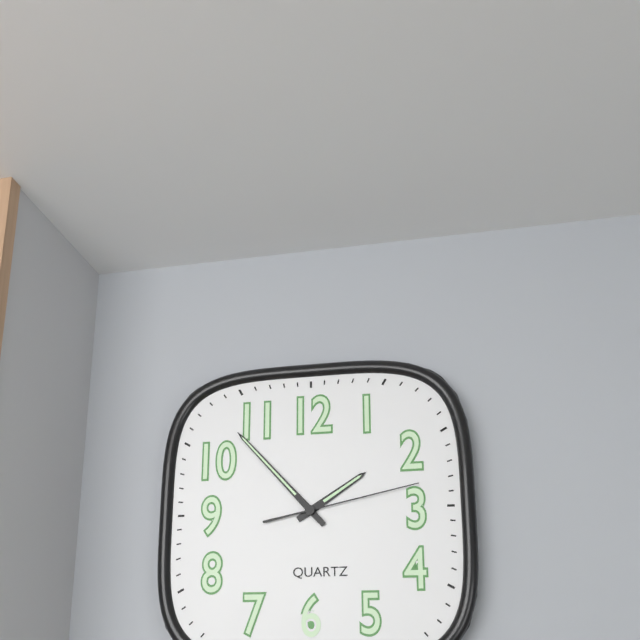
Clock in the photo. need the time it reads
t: 1:53:13
